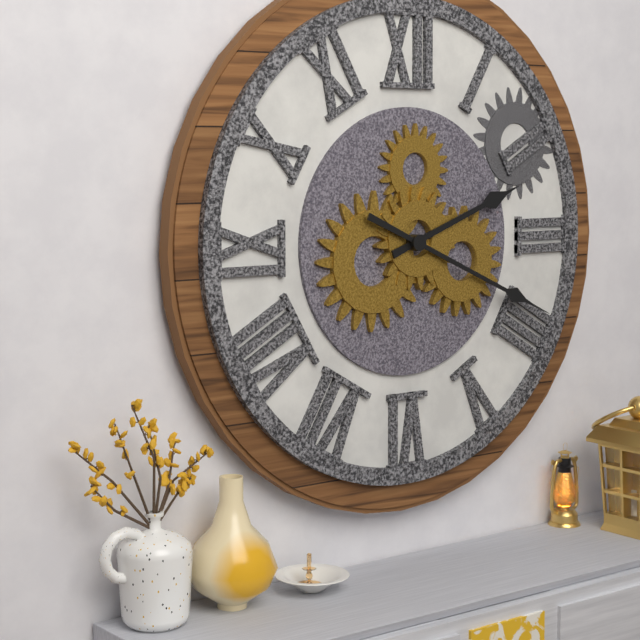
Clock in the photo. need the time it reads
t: 2:19
